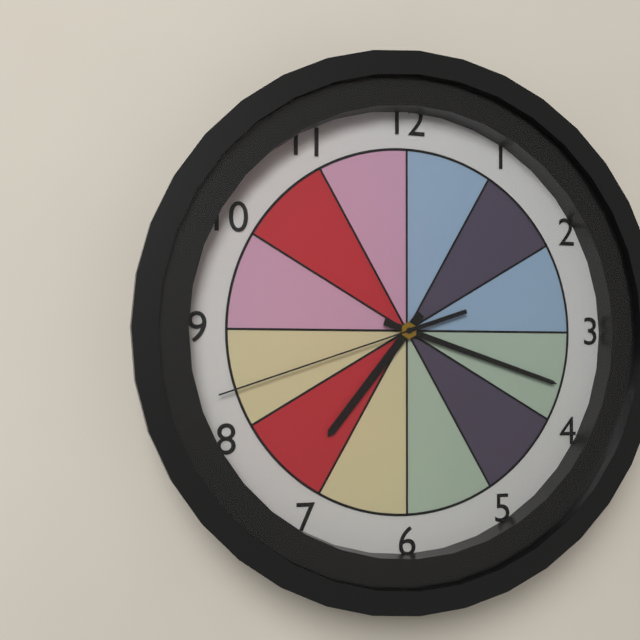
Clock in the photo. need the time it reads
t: 7:18:42
